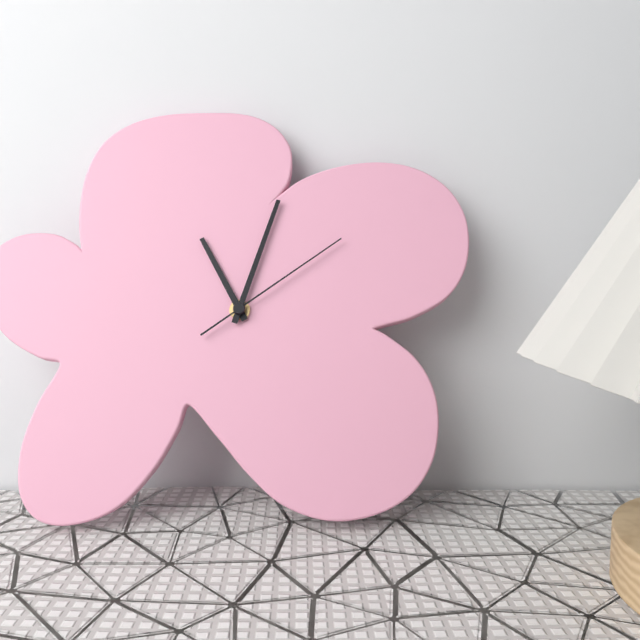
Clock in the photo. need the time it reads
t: 11:03:09
